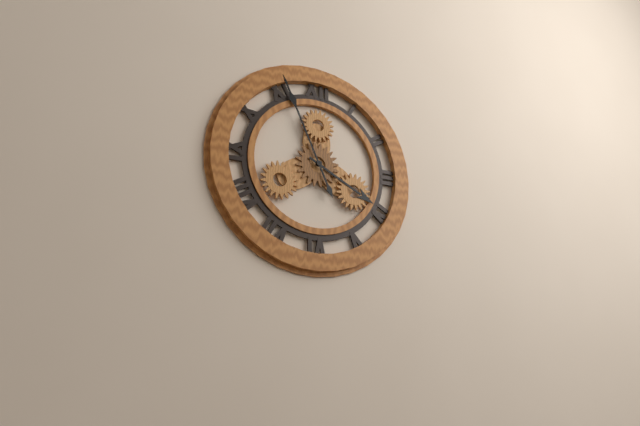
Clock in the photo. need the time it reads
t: 3:56
